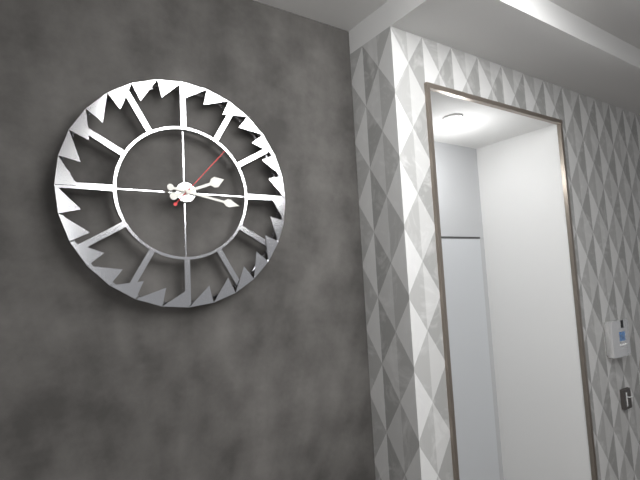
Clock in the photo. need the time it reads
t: 2:17:07
